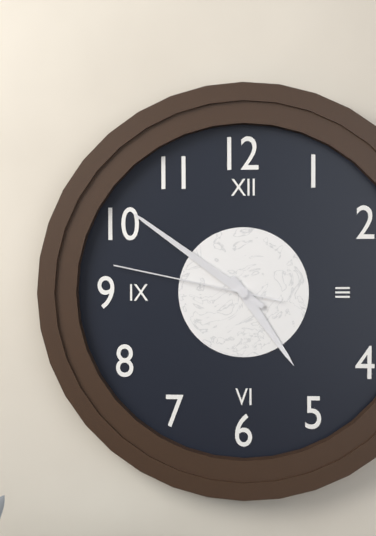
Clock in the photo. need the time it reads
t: 4:51:47
